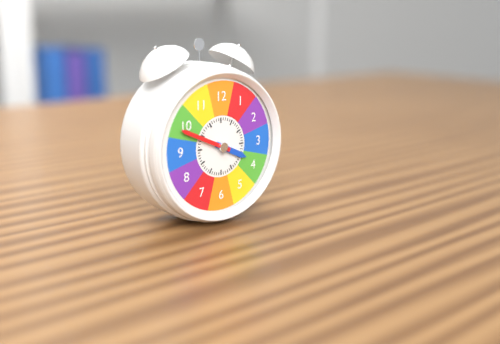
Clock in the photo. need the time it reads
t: 3:49
